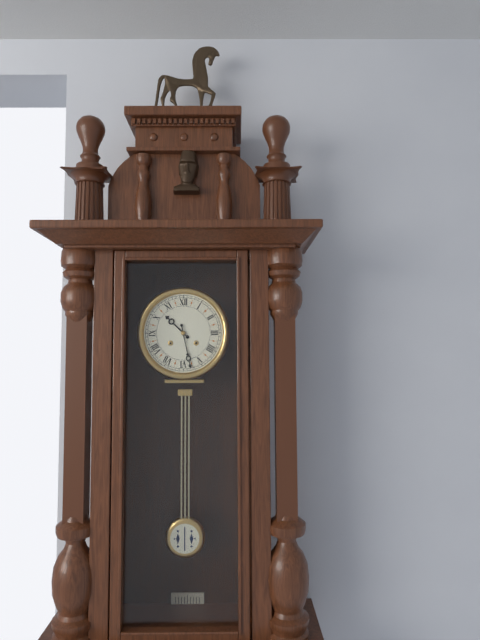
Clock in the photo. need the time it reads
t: 10:28
